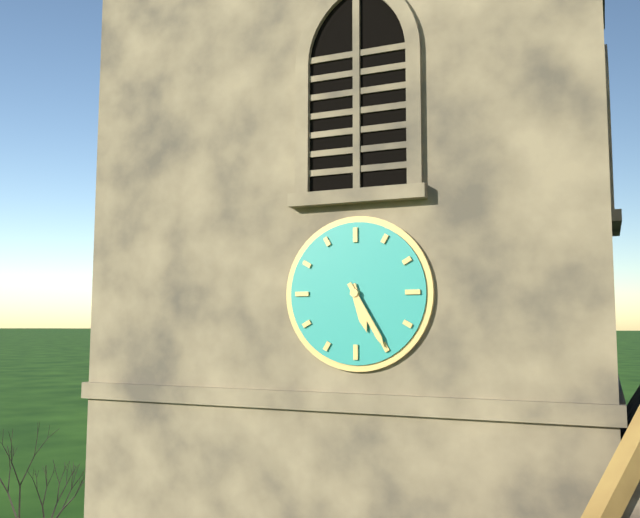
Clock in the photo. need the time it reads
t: 5:25
